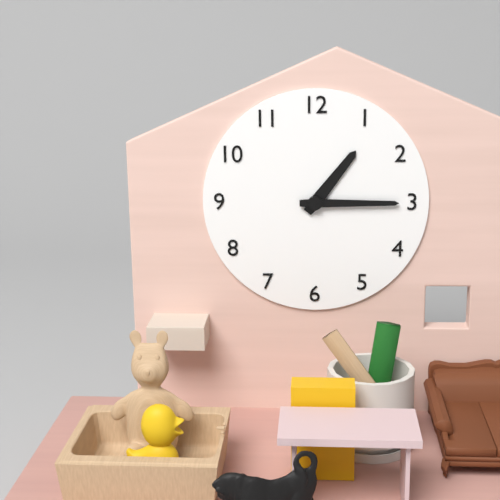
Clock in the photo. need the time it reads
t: 1:15
